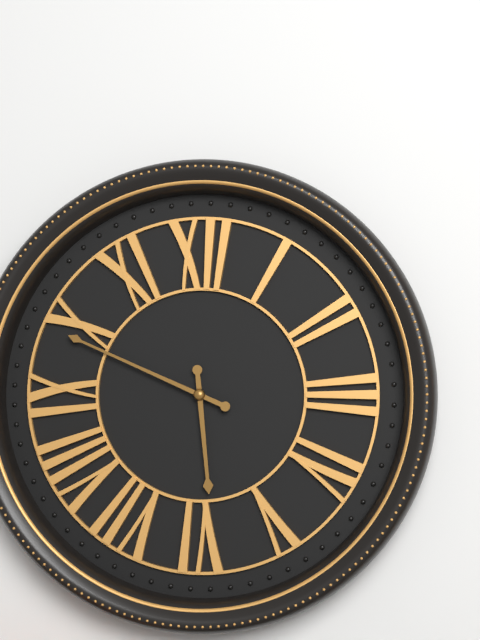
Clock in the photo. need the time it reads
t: 5:49
